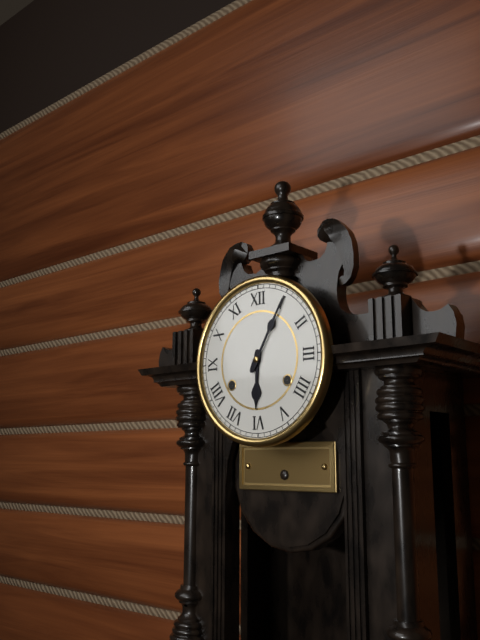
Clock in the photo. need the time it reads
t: 6:05
